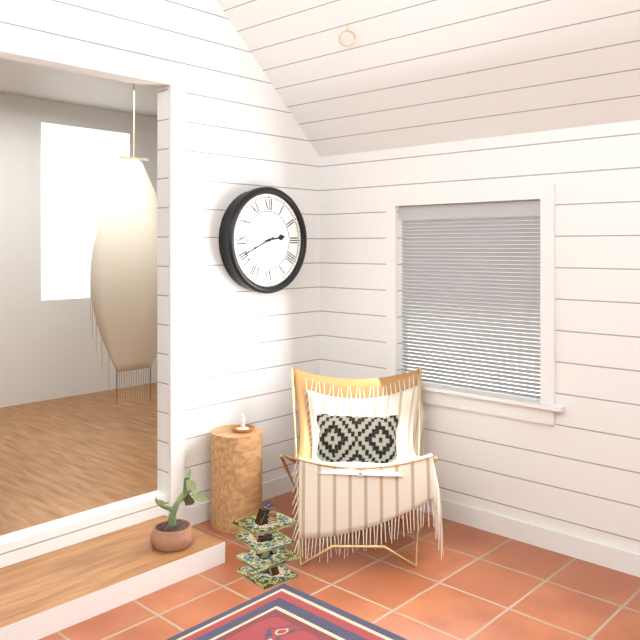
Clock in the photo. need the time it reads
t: 2:41
